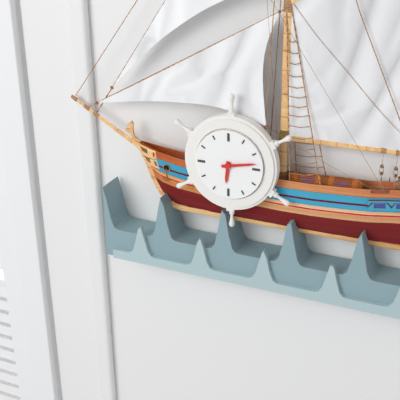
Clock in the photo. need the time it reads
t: 6:13
